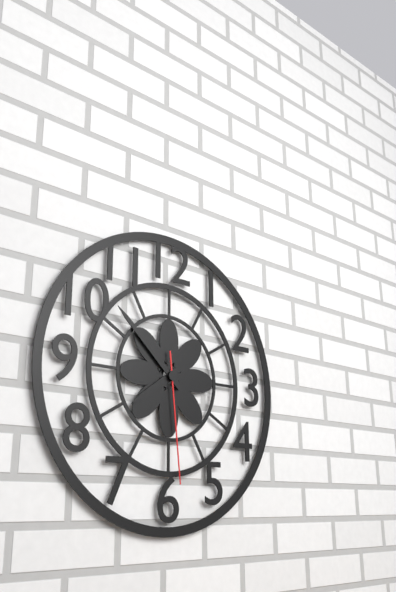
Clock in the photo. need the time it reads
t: 7:52:29
